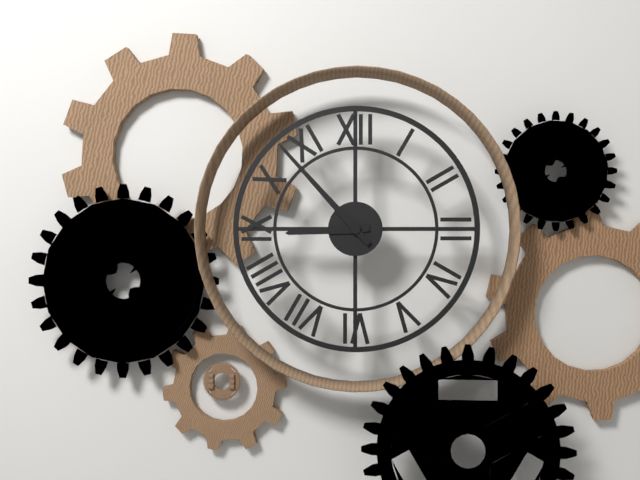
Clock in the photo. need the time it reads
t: 8:53
